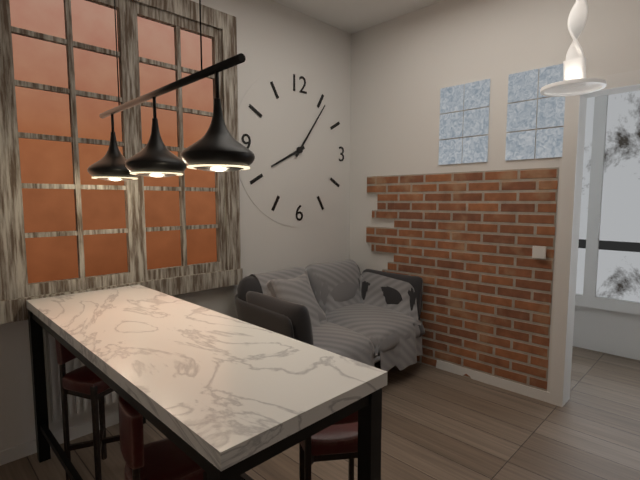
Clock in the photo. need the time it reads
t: 8:06
